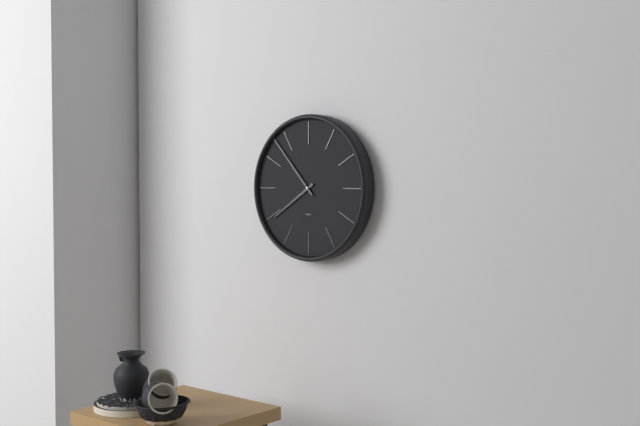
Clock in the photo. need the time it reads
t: 7:53
